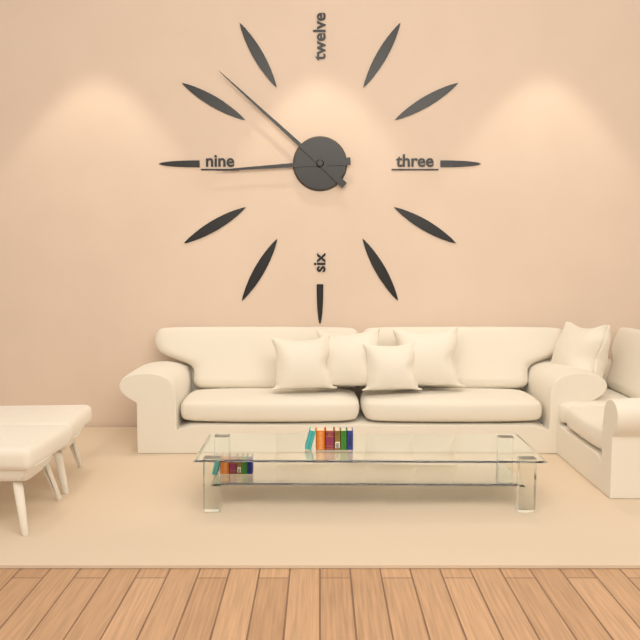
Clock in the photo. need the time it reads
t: 8:52
